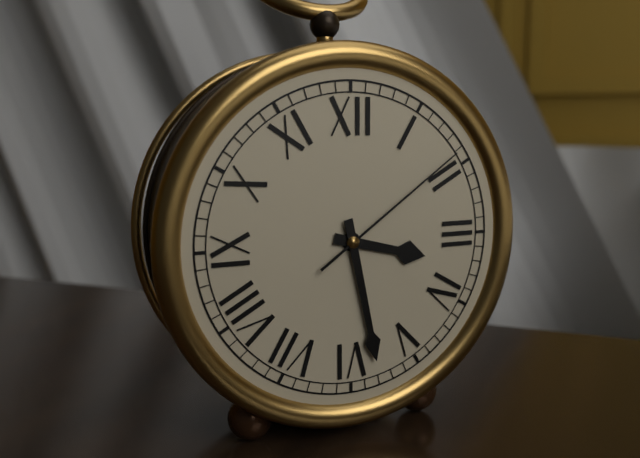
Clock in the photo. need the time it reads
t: 3:28:09
